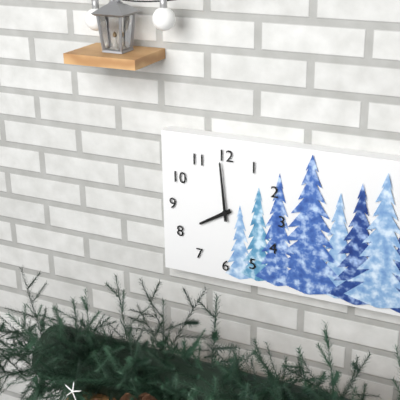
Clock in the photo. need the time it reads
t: 7:59
